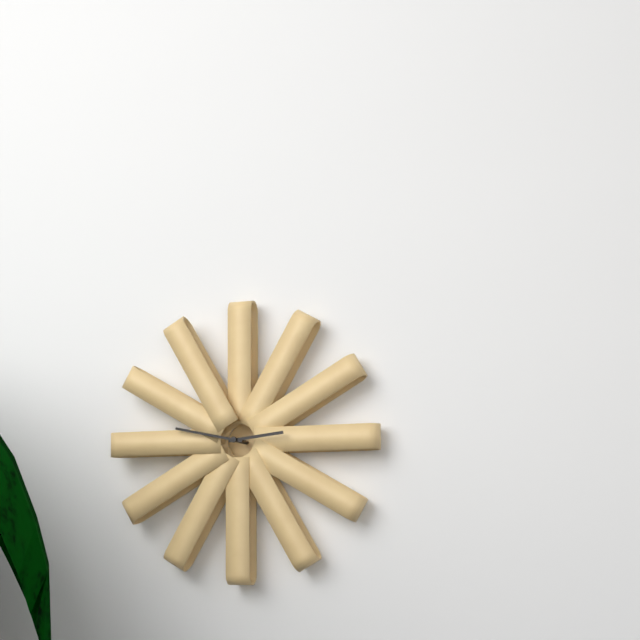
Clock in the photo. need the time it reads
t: 2:47
